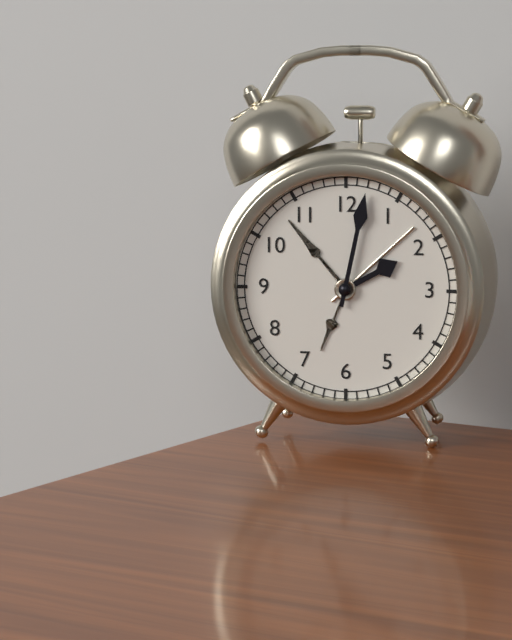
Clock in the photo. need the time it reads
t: 2:02
